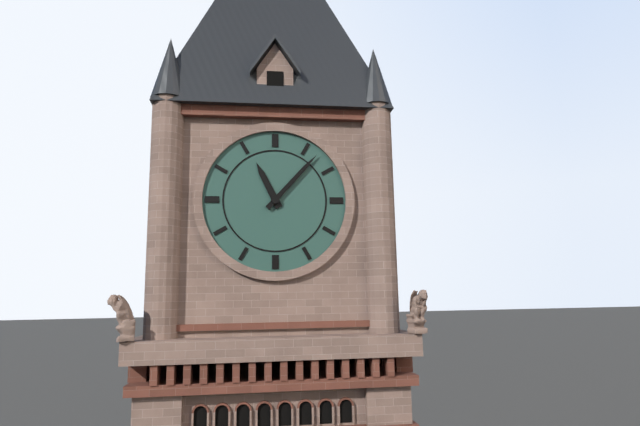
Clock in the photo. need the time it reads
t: 11:07
